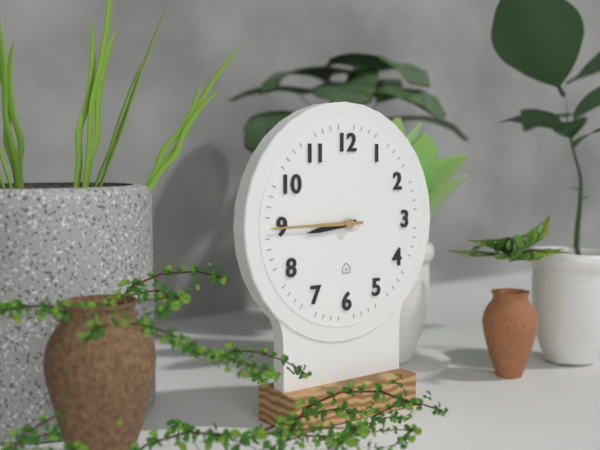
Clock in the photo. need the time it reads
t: 8:45
